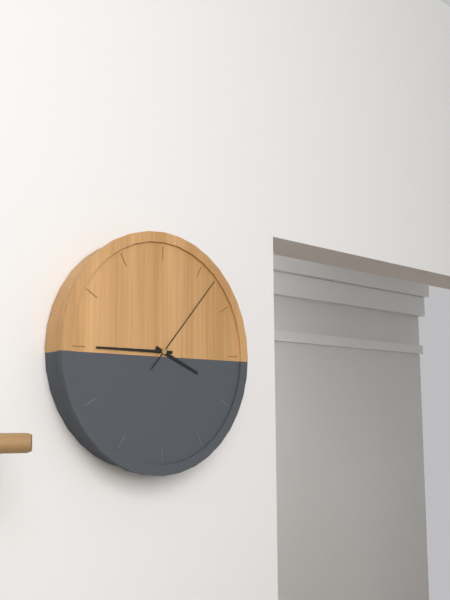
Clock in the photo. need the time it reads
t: 3:45:07
